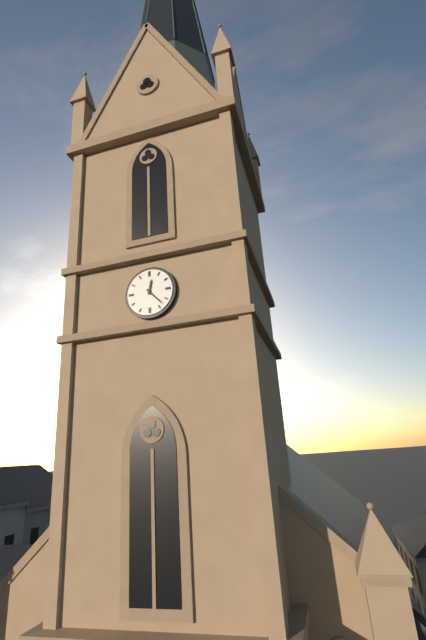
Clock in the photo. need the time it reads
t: 12:23
